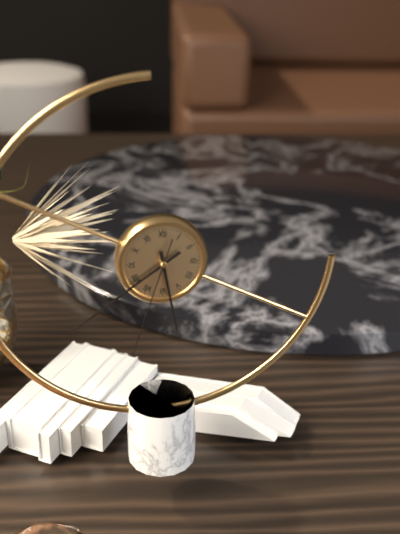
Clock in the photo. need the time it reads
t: 5:39:33
